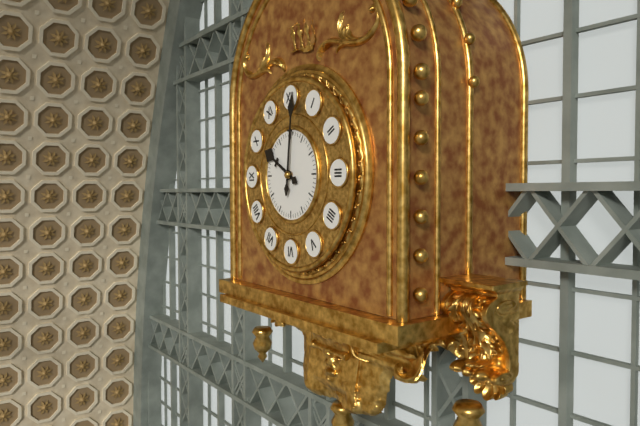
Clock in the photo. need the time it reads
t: 10:01
